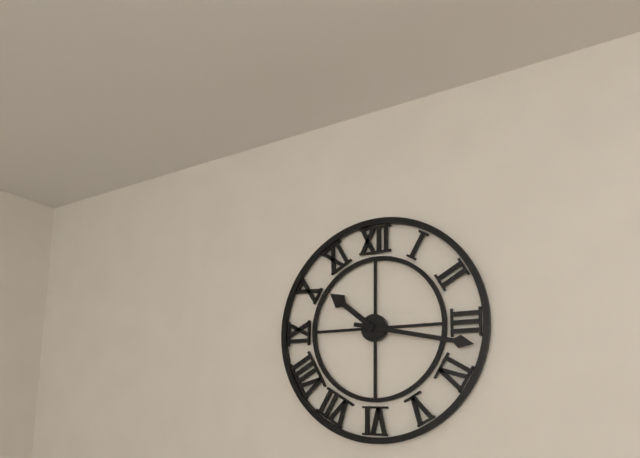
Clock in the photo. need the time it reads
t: 10:17
